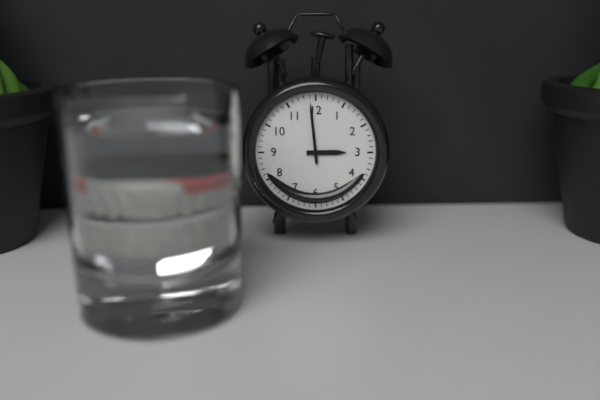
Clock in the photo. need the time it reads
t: 2:59
